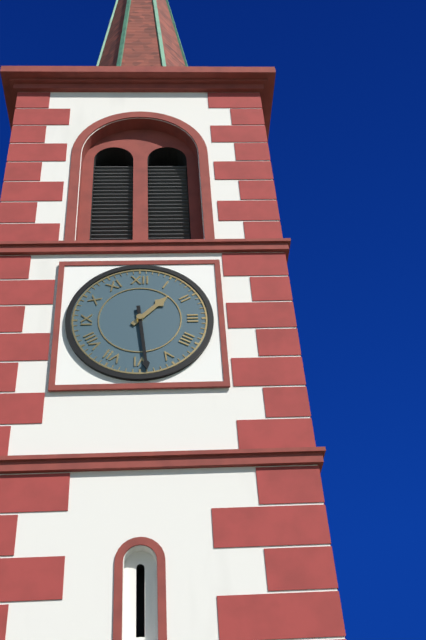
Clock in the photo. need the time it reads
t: 1:29
